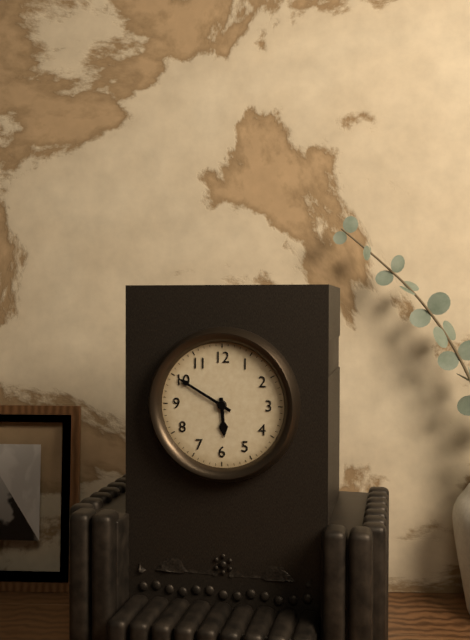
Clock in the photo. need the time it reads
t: 5:50
